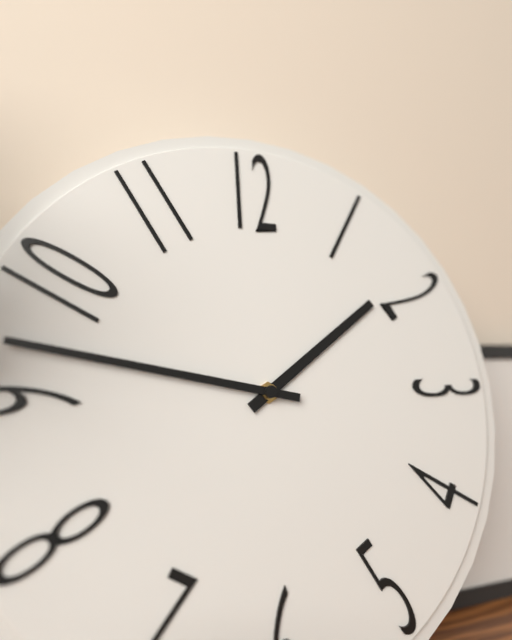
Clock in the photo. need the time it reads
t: 1:47
